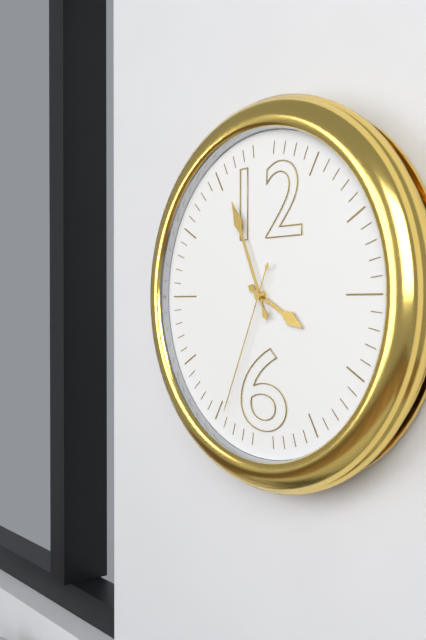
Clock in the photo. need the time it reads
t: 3:56:34
